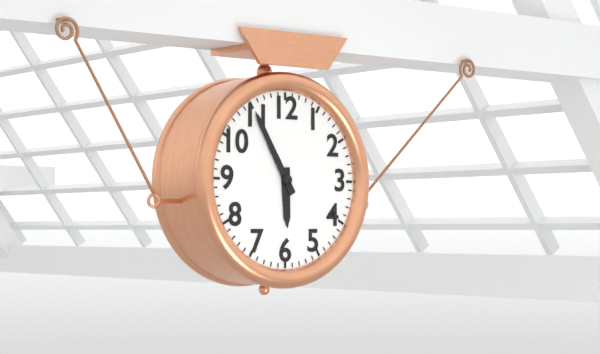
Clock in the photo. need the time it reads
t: 5:55
